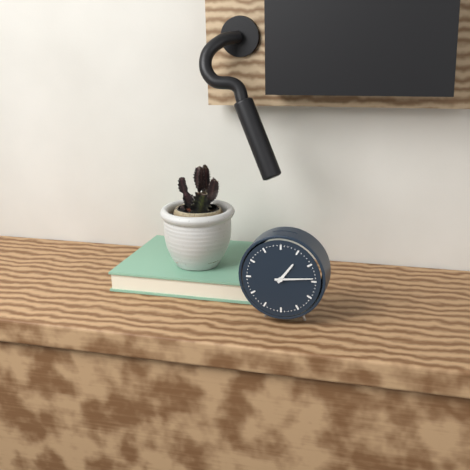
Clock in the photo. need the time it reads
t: 1:14
